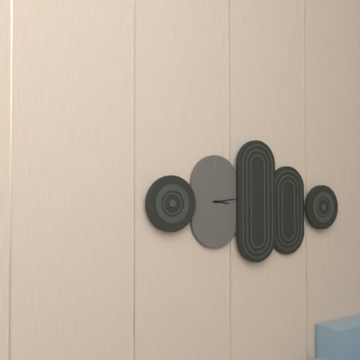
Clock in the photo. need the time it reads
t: 3:14
